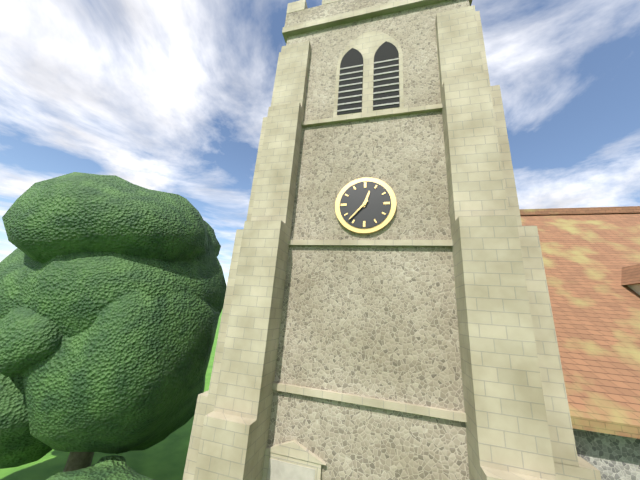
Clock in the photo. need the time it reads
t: 12:37
